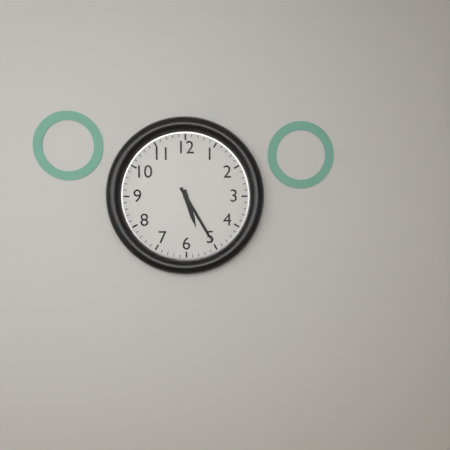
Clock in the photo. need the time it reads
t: 5:25
